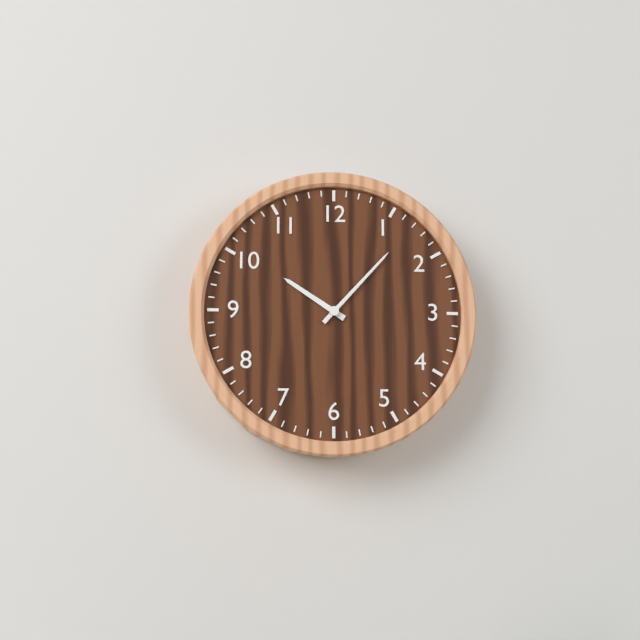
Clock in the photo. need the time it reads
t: 10:07
